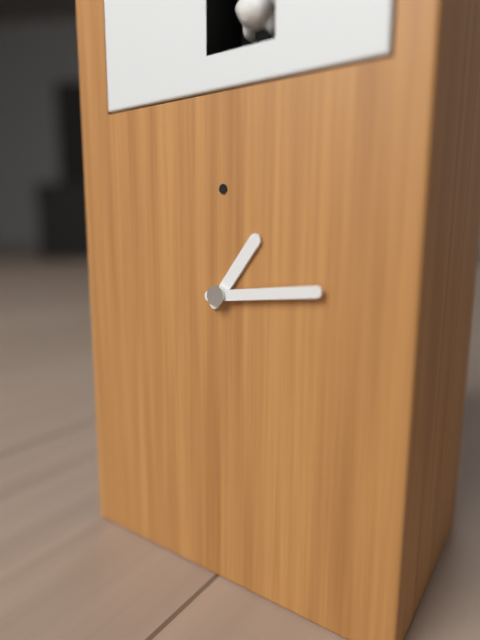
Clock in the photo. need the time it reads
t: 1:14
